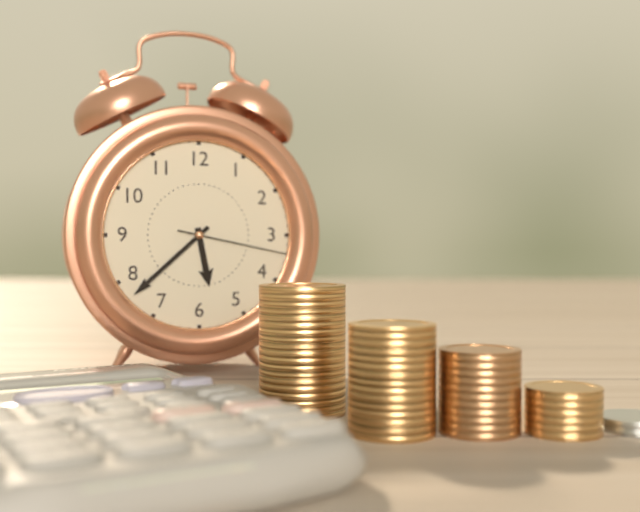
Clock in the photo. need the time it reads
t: 5:38:17
